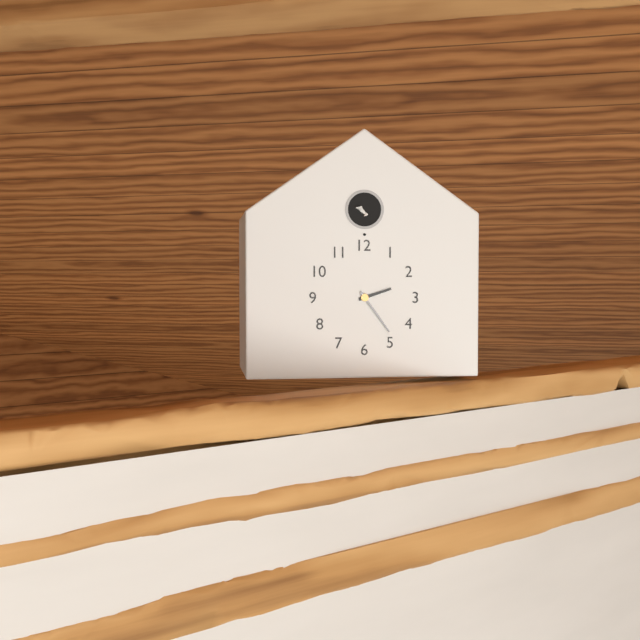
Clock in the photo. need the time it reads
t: 2:24
